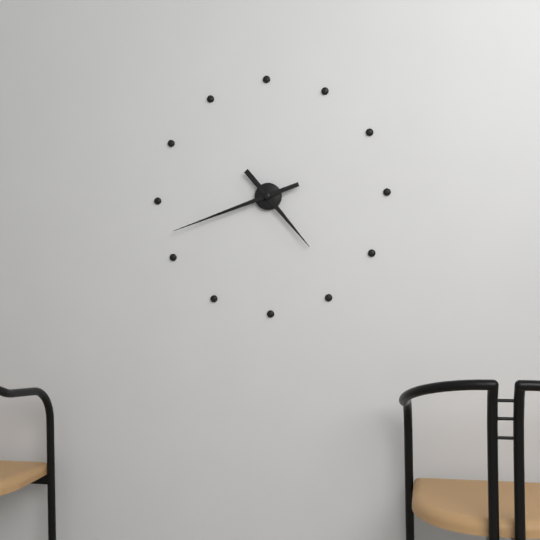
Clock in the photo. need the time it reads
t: 4:42
